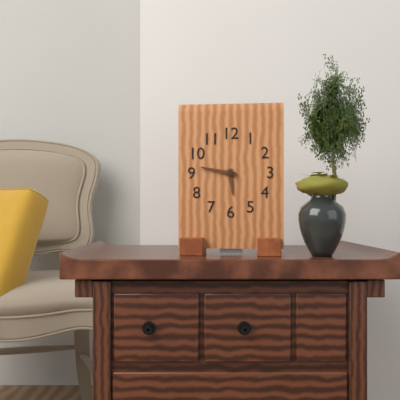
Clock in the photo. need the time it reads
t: 5:47
